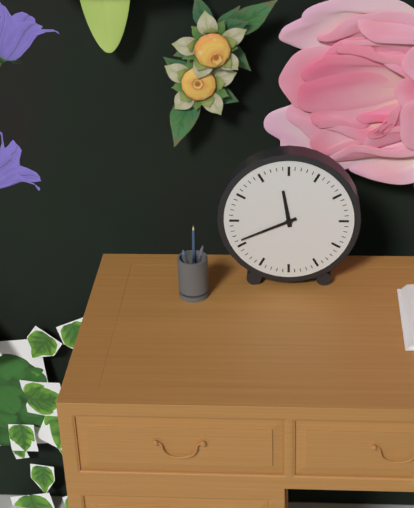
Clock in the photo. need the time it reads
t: 11:41
